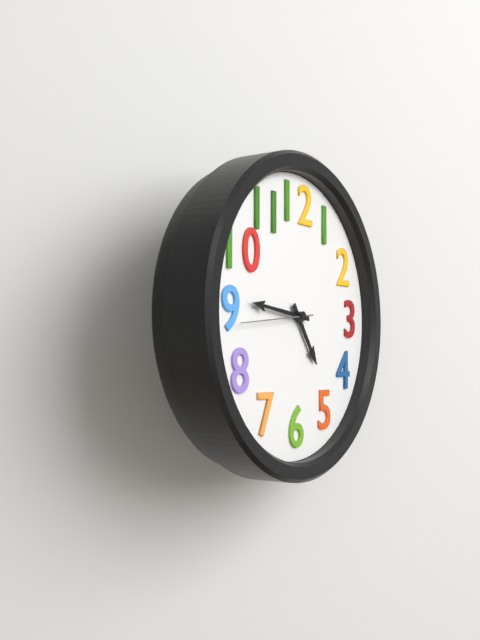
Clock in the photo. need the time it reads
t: 4:46:44
